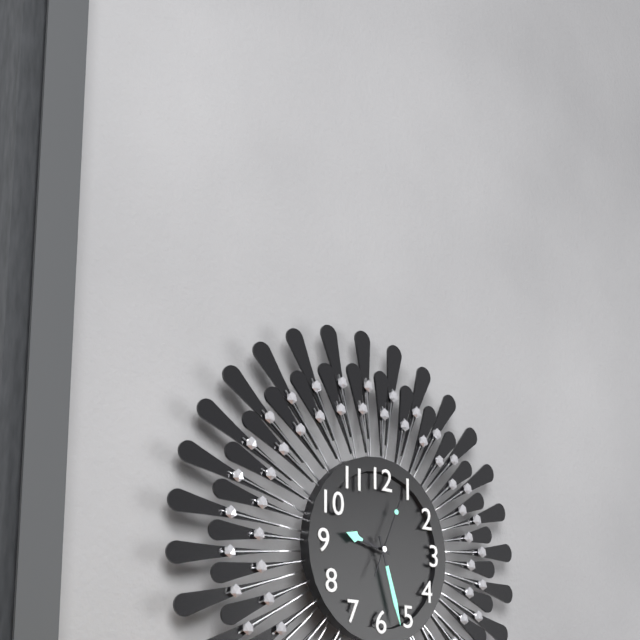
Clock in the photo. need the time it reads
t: 9:27:04
